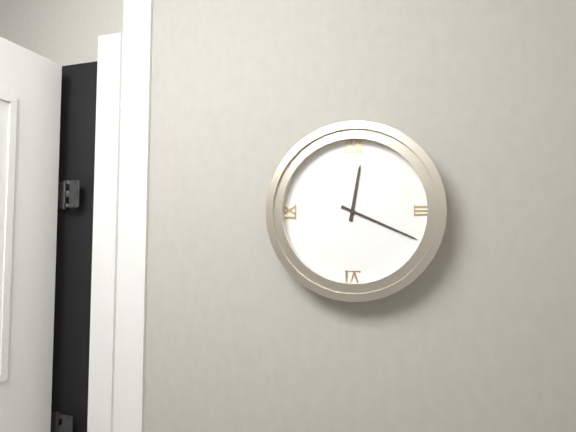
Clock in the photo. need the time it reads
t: 12:19
